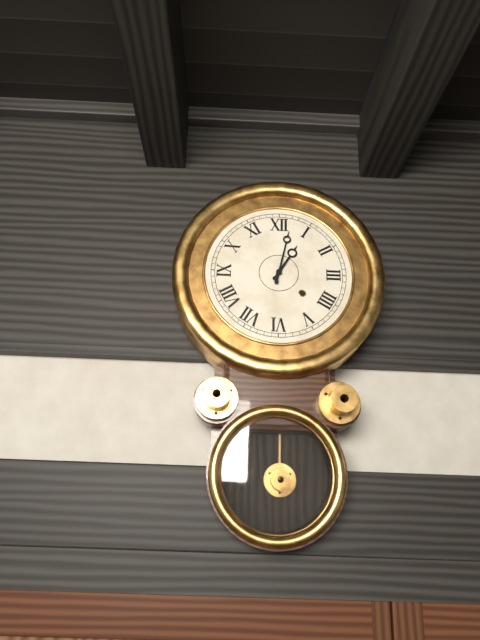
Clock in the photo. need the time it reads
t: 1:02
